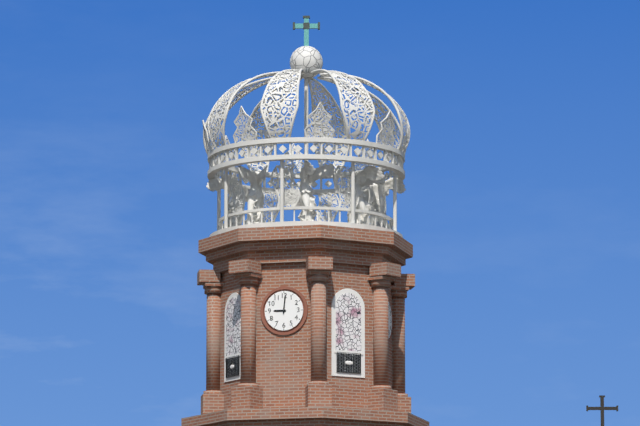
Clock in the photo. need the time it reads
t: 9:01
